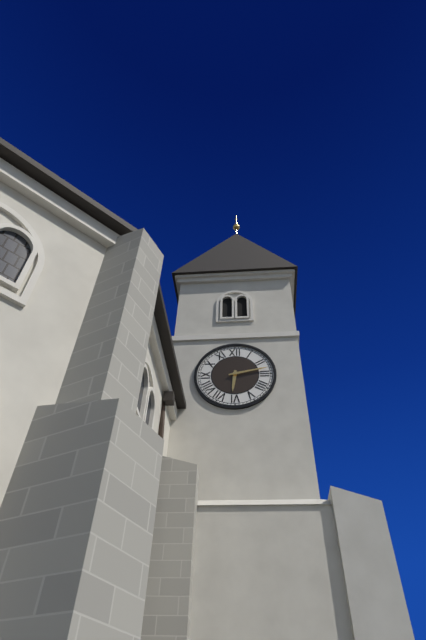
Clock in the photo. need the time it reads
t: 6:13
